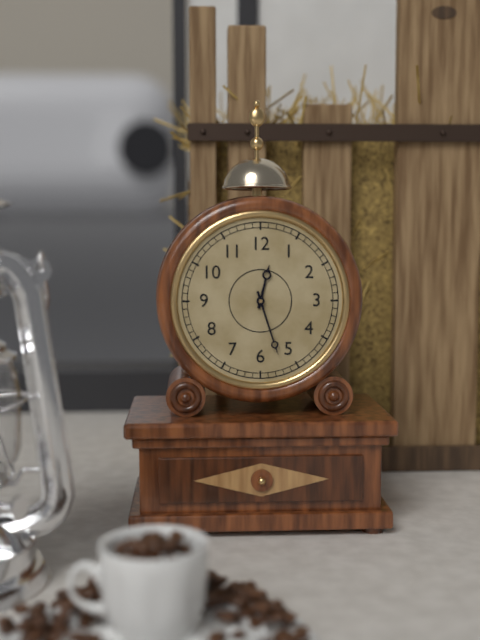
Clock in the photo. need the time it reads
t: 12:27
